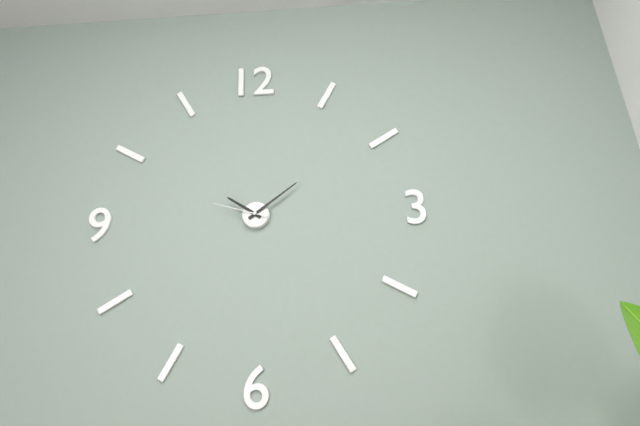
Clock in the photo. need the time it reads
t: 10:09:48
